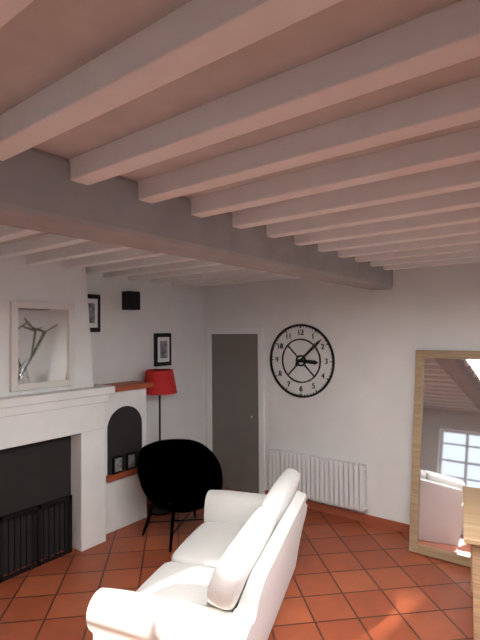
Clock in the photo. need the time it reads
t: 3:08
